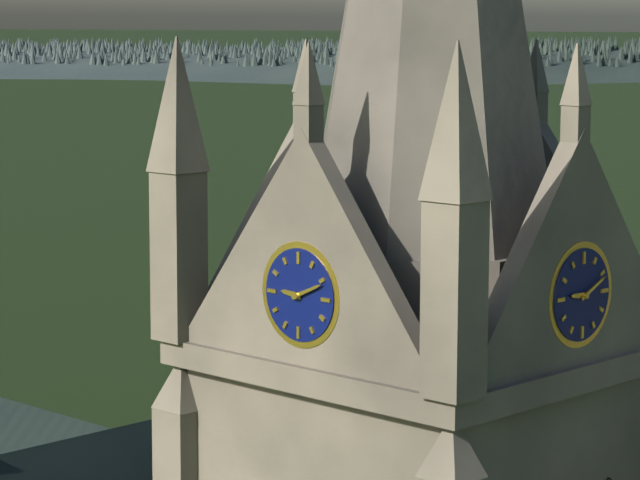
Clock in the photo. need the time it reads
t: 9:11
